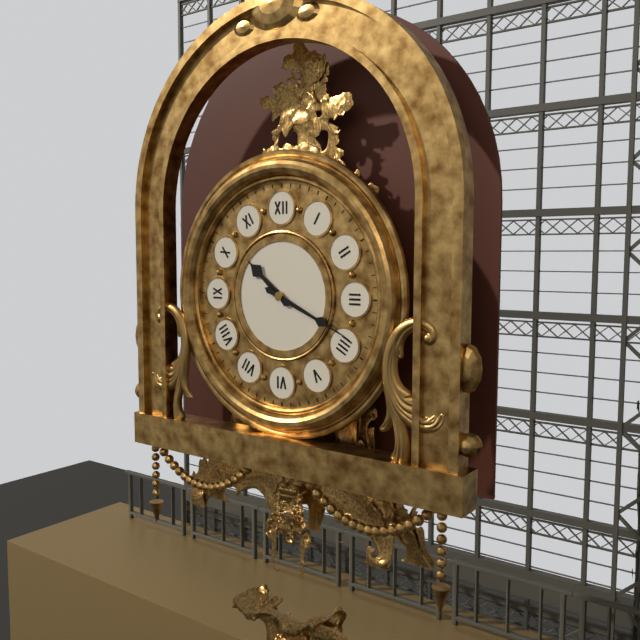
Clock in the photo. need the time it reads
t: 10:19
